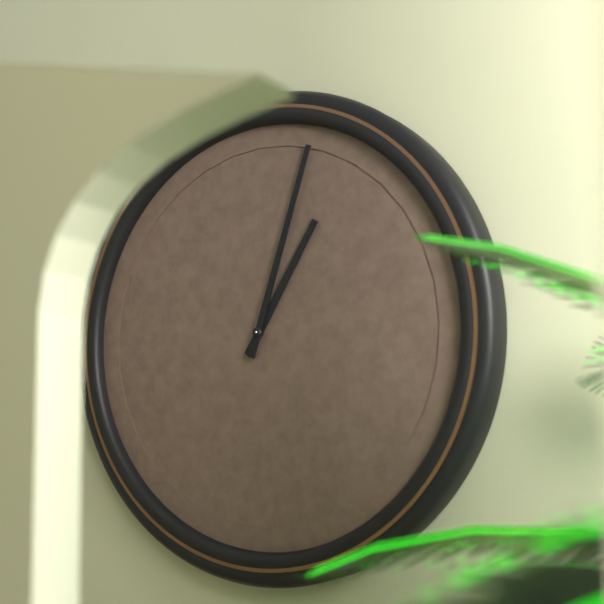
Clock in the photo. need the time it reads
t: 1:03
